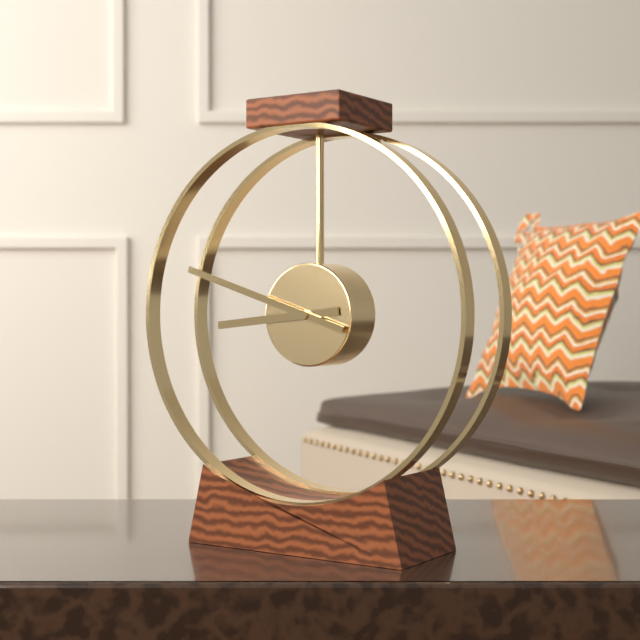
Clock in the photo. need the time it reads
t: 8:48
